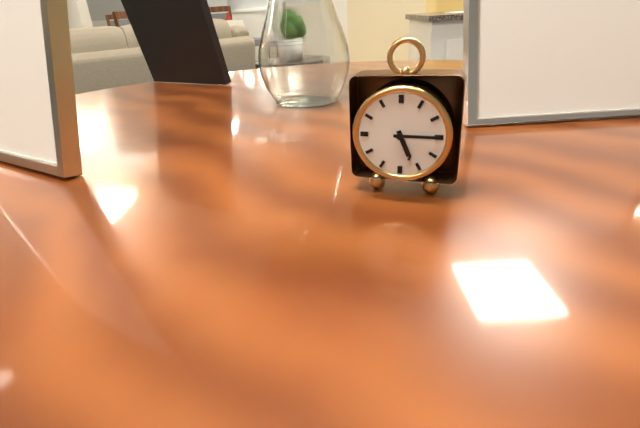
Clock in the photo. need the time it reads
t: 5:15
